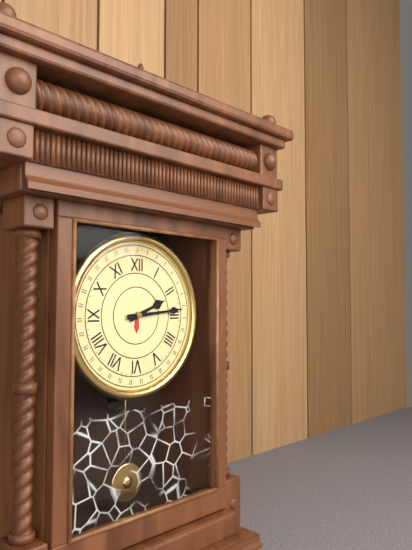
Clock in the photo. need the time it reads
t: 2:14
